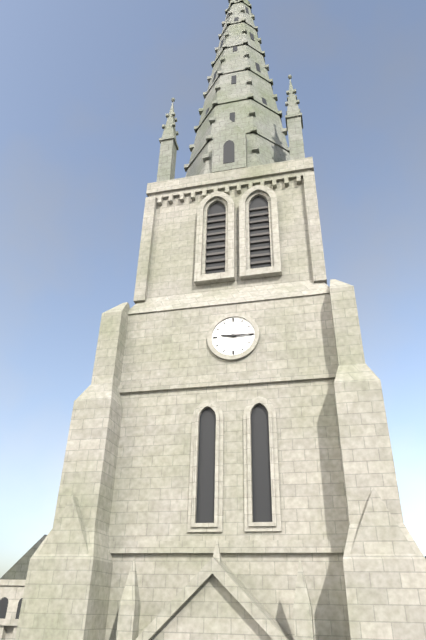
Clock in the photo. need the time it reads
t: 9:15
